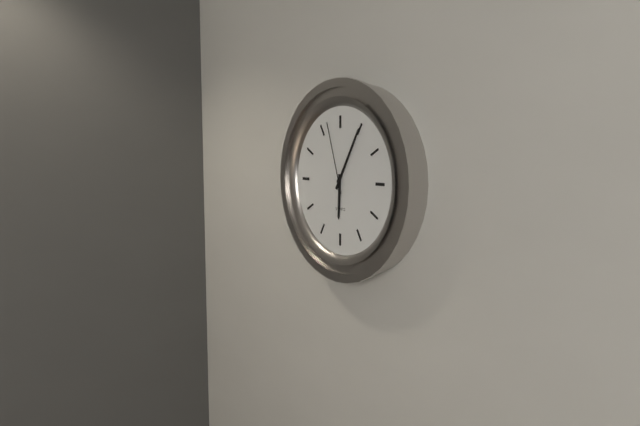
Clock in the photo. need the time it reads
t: 6:05:57
